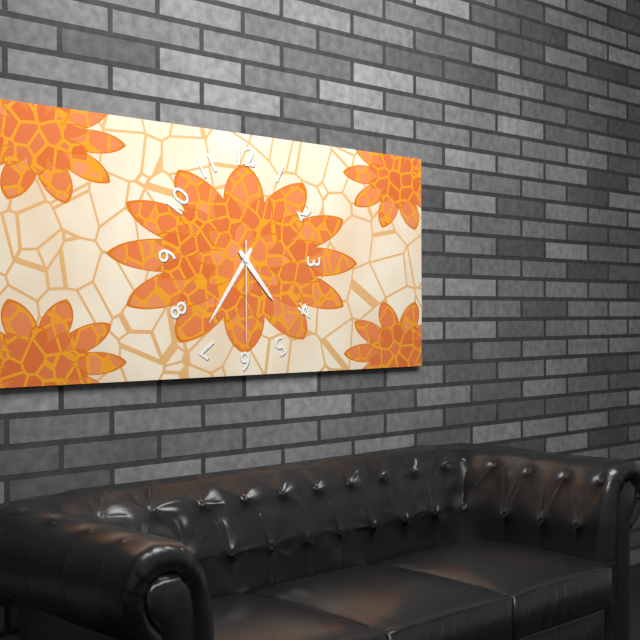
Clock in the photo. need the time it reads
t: 4:36:30
